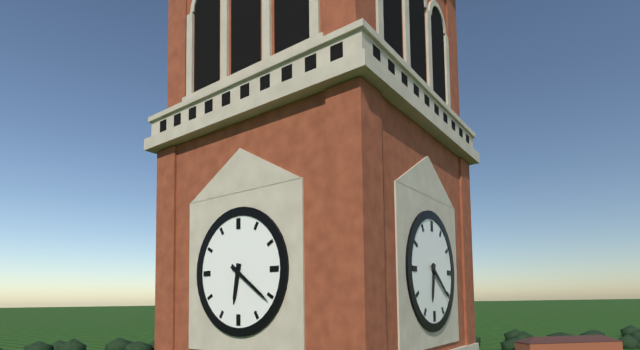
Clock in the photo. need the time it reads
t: 6:21
